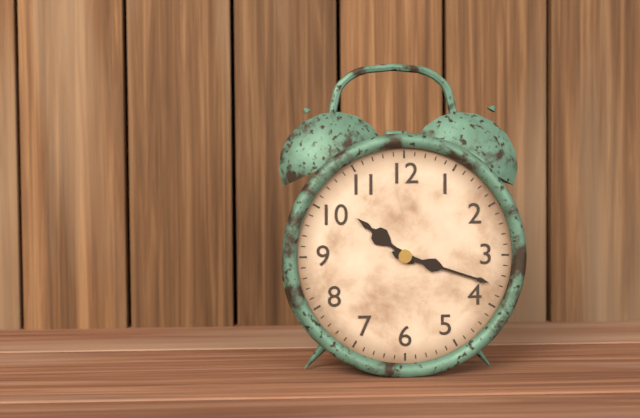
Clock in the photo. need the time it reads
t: 10:18
